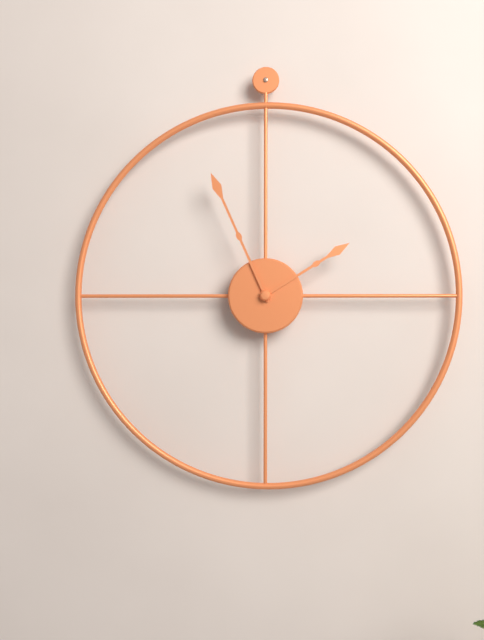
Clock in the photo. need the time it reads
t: 1:56
